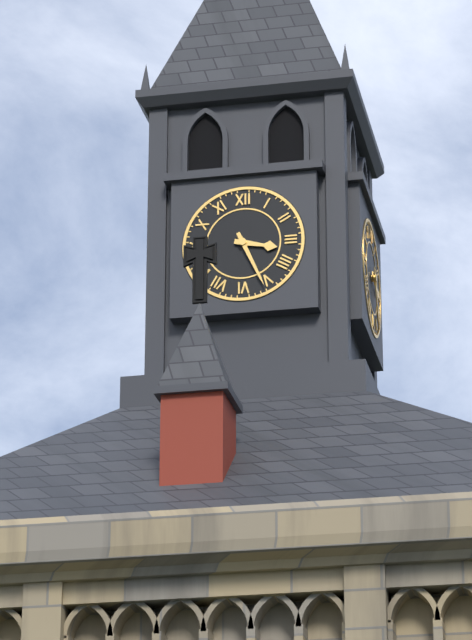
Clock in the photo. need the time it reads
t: 3:26
